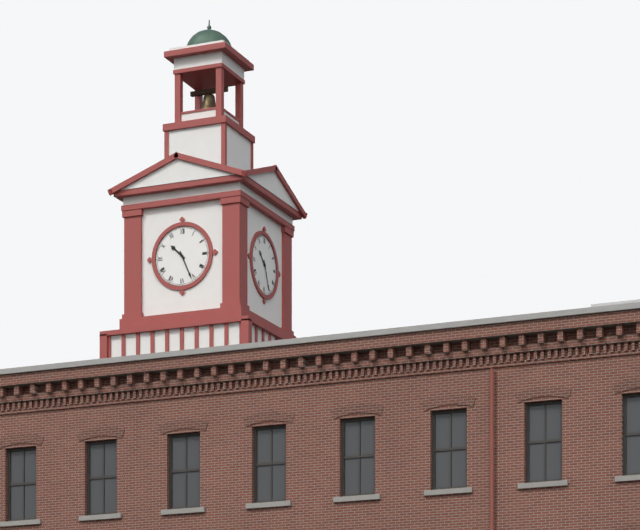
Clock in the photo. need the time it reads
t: 10:26
